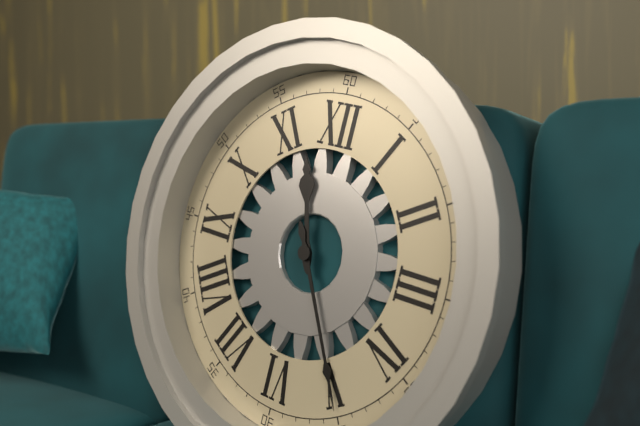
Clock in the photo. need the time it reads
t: 11:25
